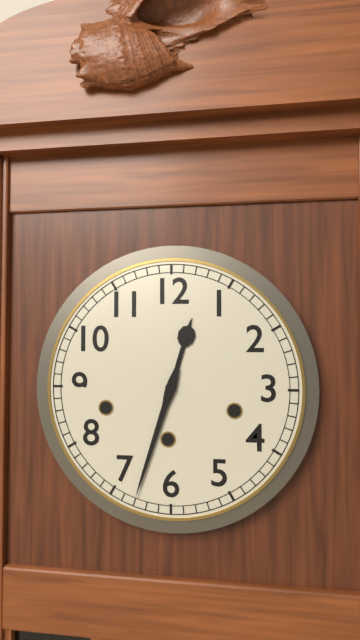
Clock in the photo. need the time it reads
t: 12:33
